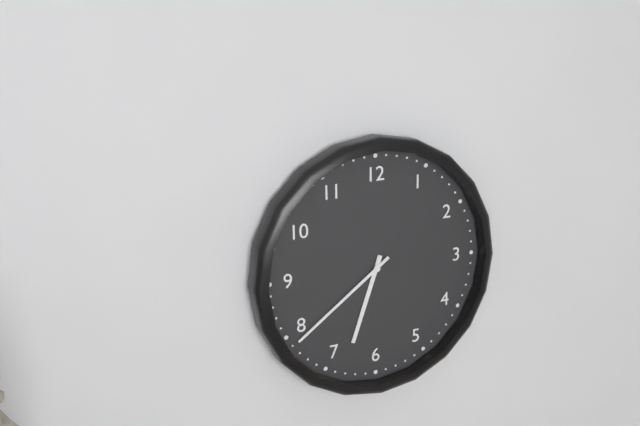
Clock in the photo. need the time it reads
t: 6:39
